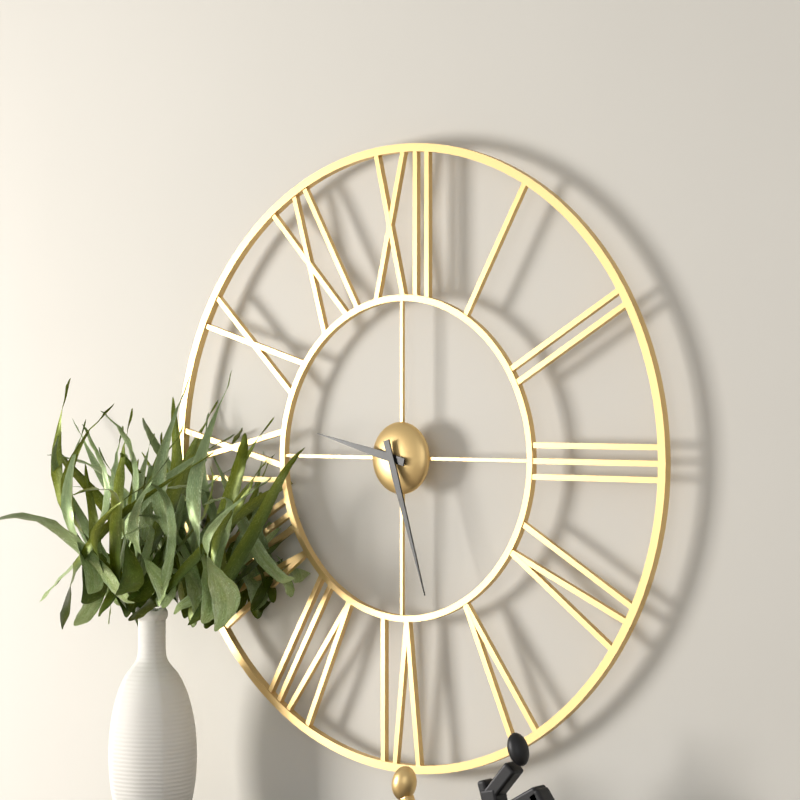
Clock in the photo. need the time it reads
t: 9:27
